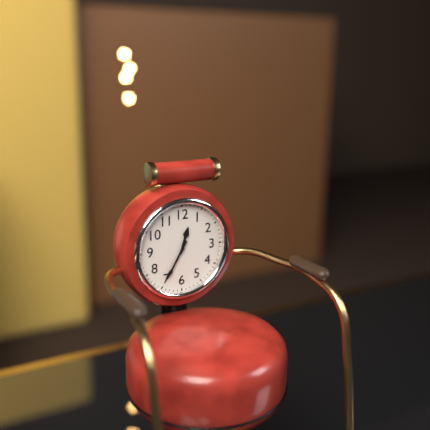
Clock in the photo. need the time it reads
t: 12:35
